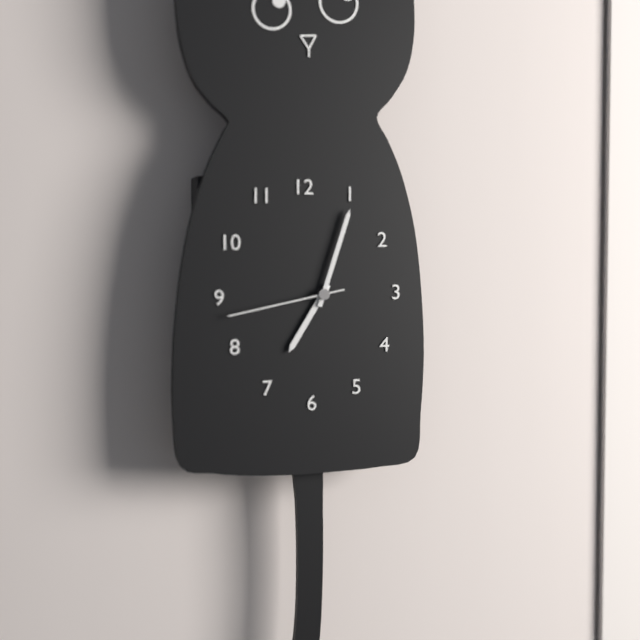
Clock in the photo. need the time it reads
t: 7:03:43
